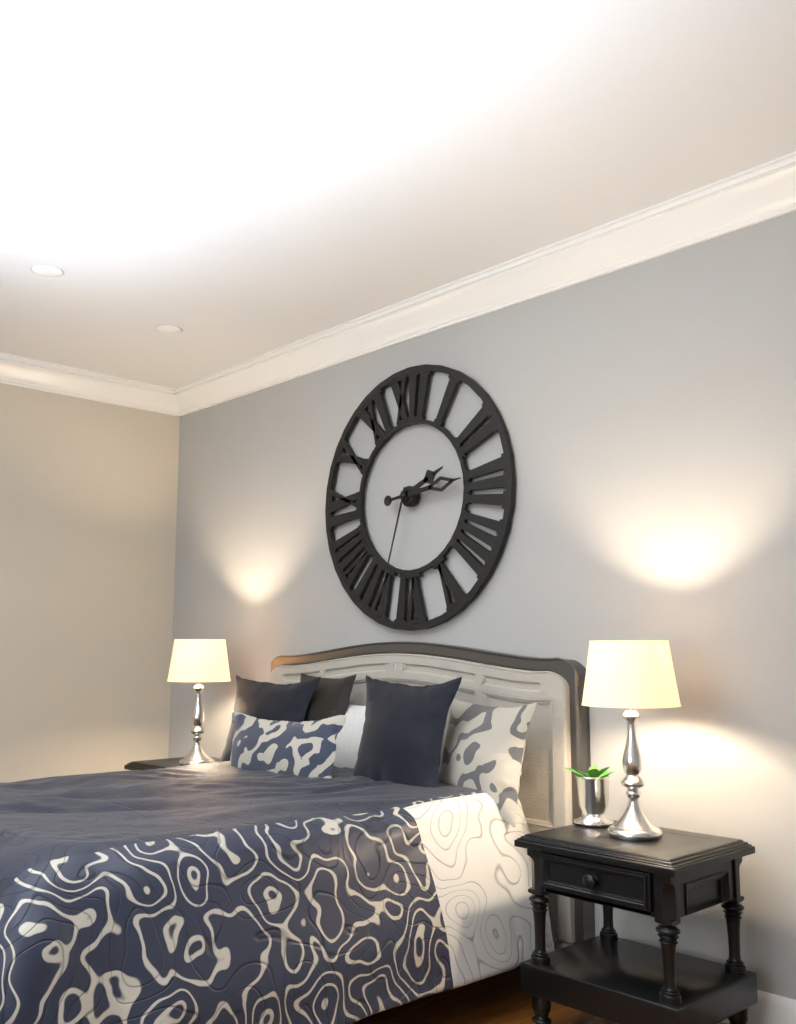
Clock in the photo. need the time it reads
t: 2:14:33
